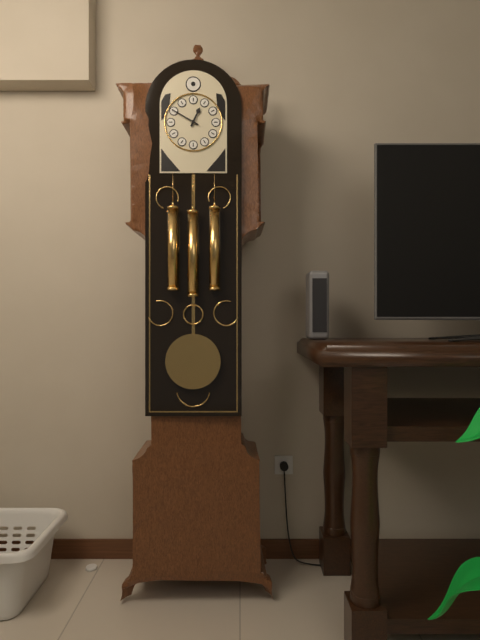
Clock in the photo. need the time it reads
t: 12:50
